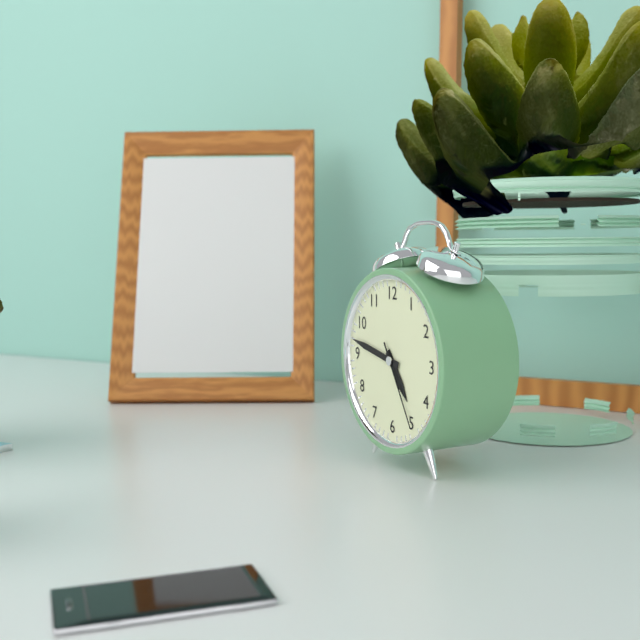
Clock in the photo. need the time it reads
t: 4:47:25
